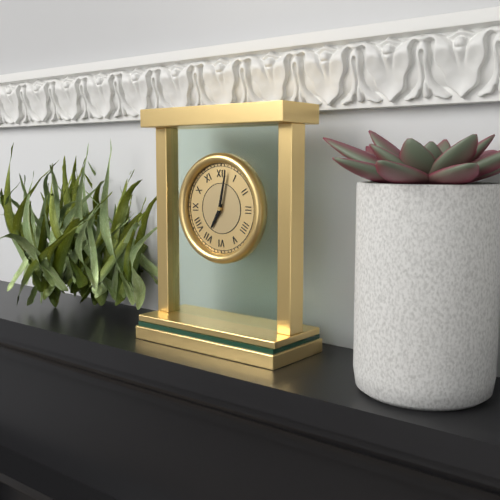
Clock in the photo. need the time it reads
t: 7:02
